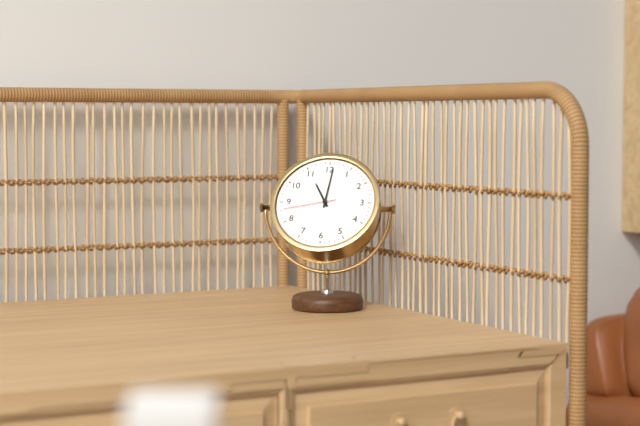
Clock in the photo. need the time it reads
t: 11:01:43
